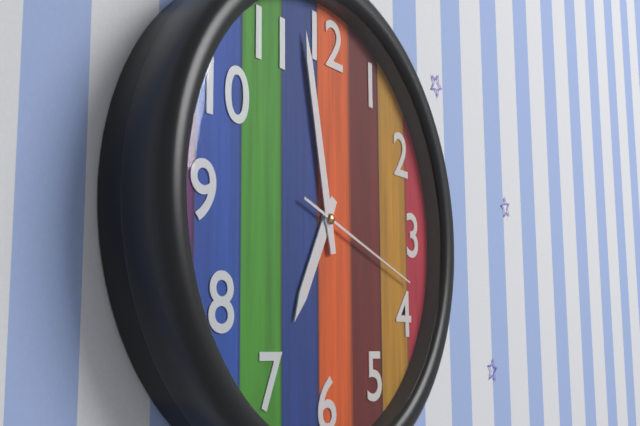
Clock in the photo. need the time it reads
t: 6:58:18
